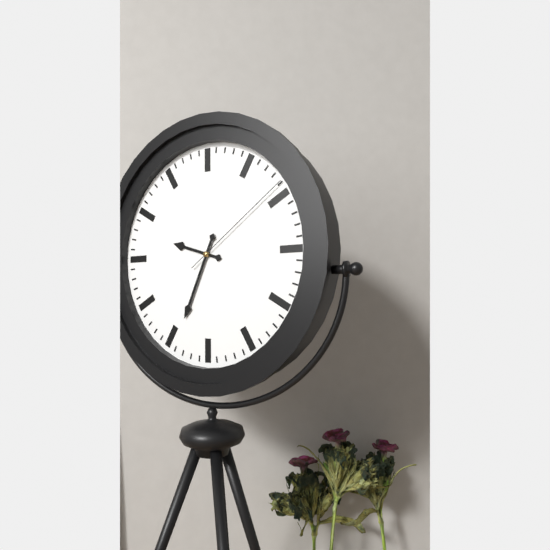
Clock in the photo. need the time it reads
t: 9:34:09
